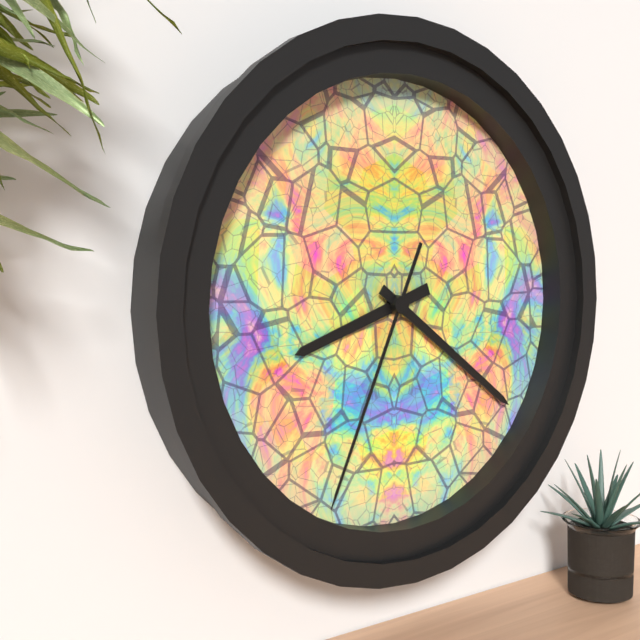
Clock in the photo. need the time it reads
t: 8:21:34
